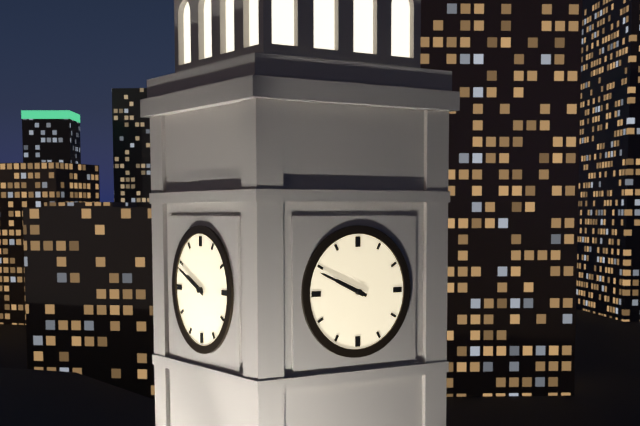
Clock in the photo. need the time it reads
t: 9:49
